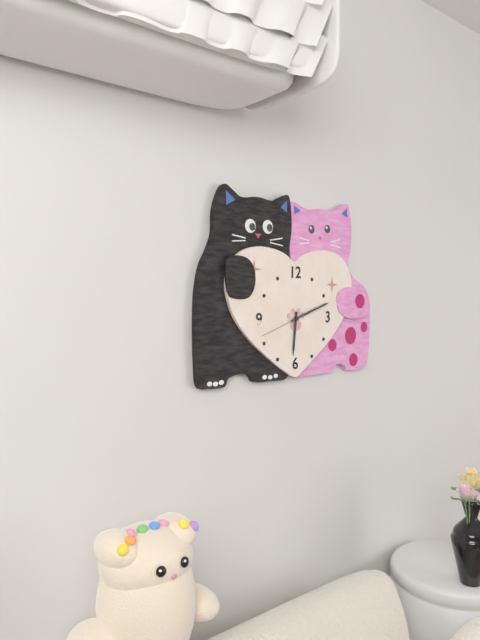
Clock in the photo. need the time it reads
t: 6:12
